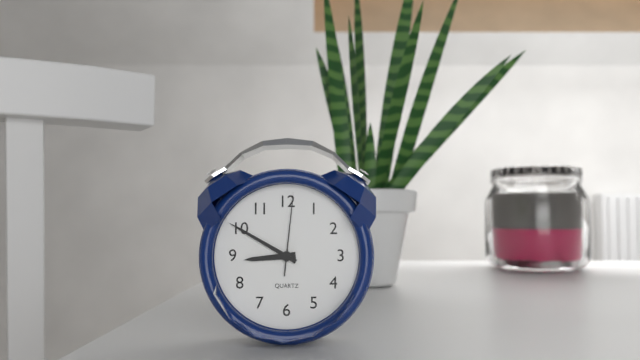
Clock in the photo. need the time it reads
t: 8:50:01
